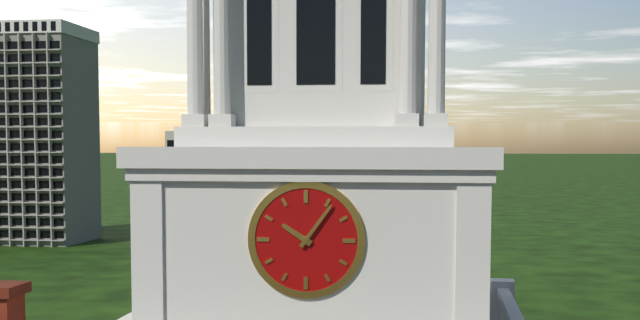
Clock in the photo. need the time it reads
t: 10:06
